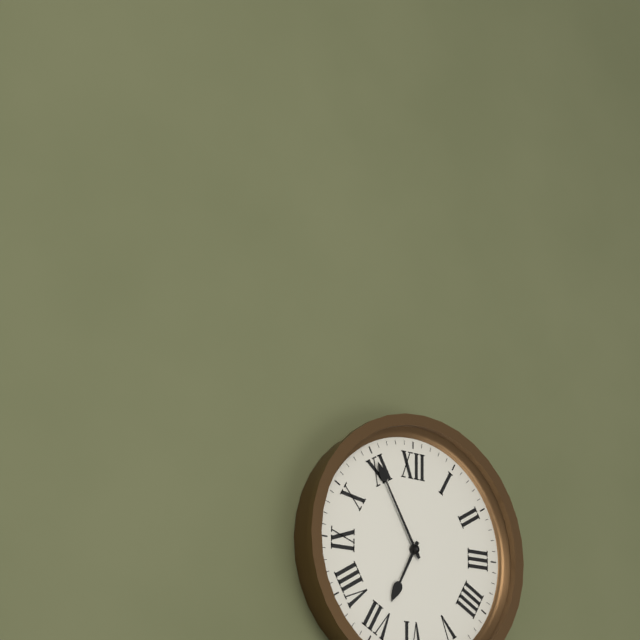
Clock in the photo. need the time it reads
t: 6:55
